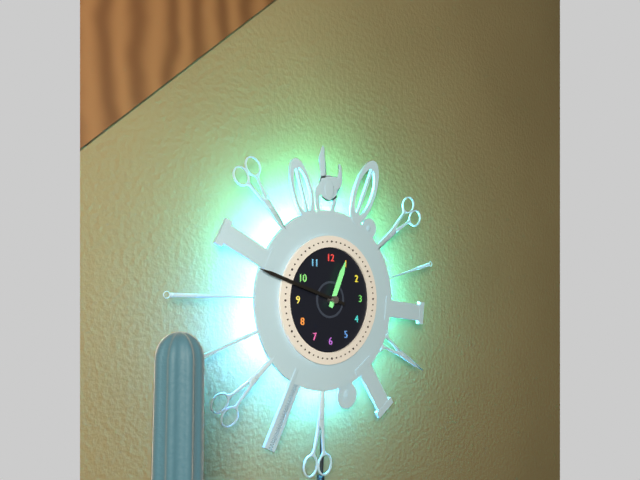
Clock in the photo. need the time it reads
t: 12:48
